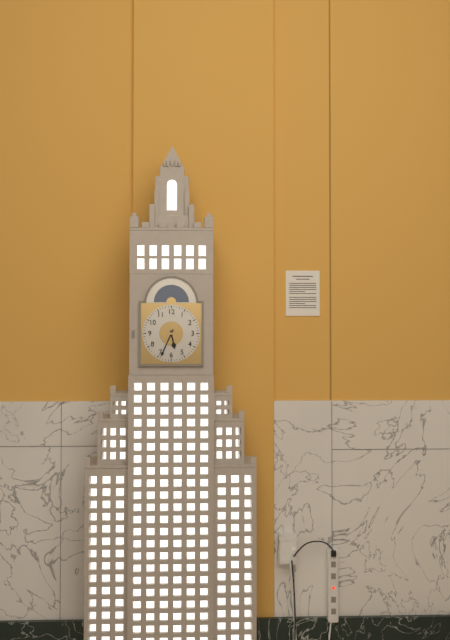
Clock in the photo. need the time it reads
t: 5:34
